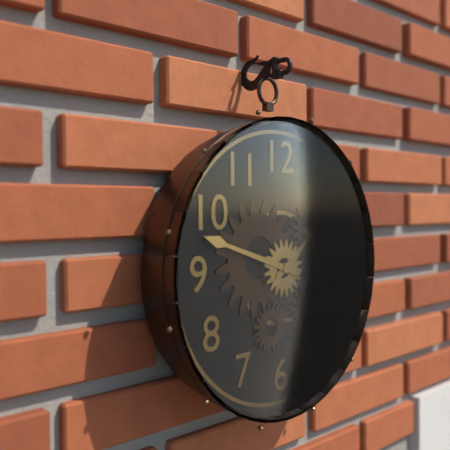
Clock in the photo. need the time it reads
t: 1:48
